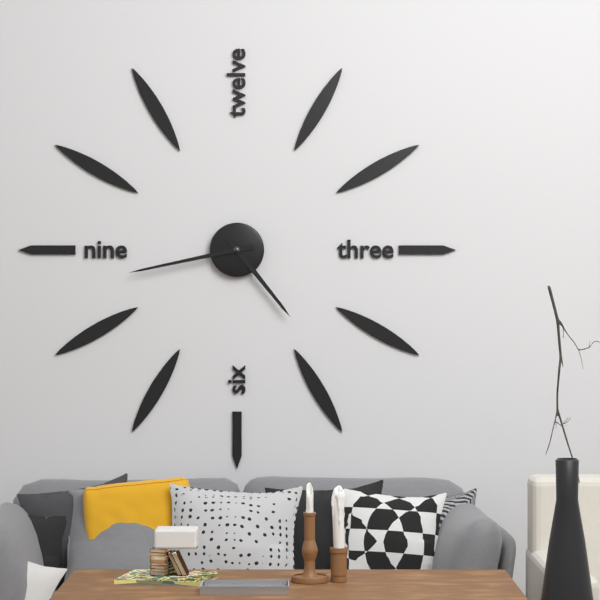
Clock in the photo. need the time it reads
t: 4:43
